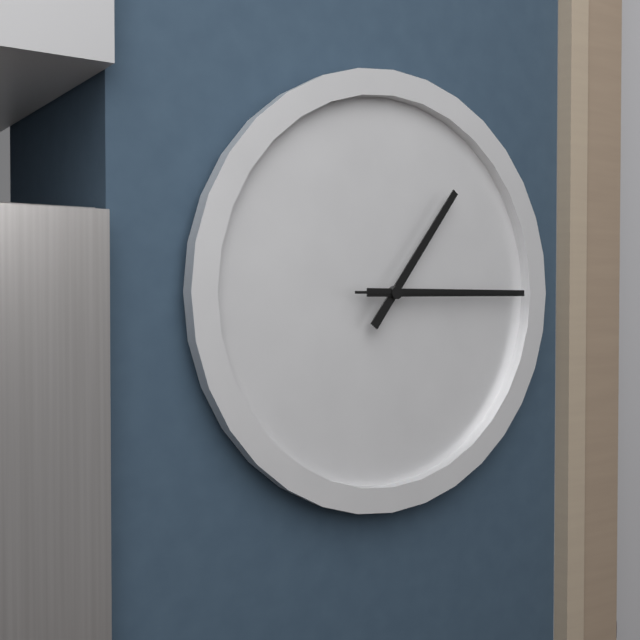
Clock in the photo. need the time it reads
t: 1:15:15
